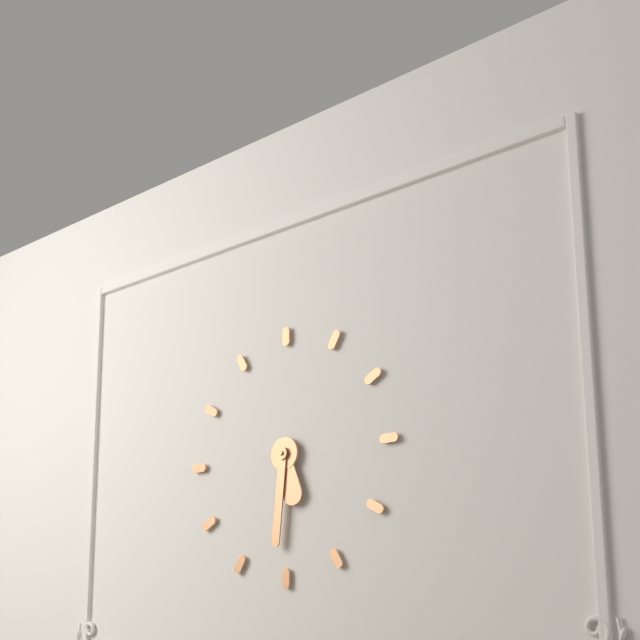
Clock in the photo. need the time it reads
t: 5:31
